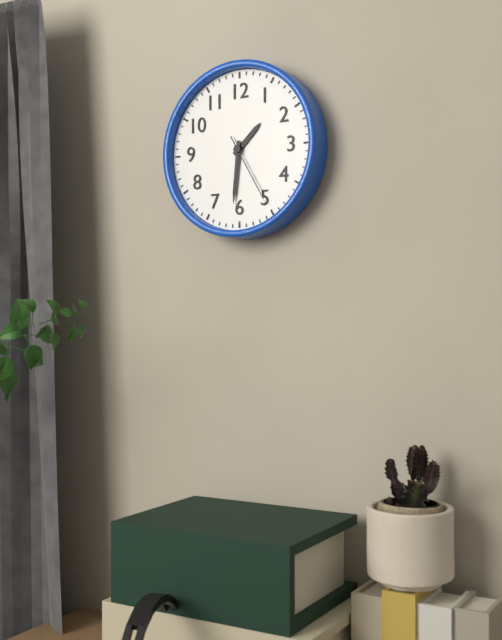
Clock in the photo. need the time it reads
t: 1:31:25
